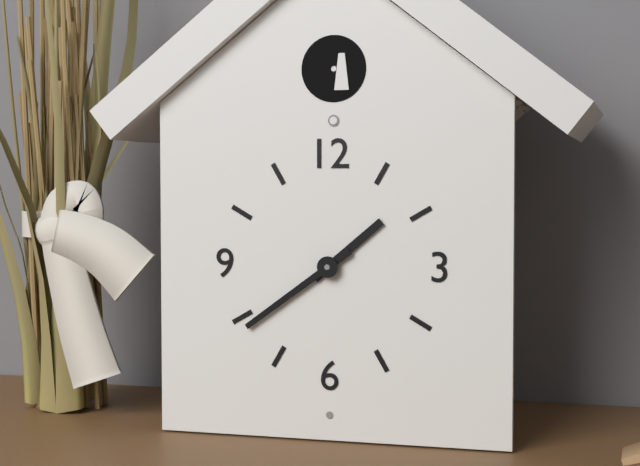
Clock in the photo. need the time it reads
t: 1:39
